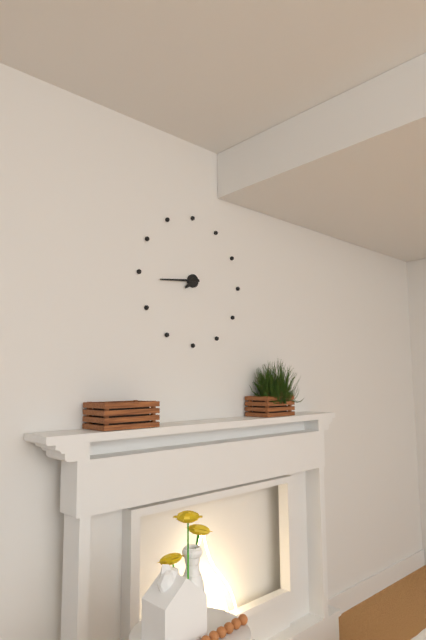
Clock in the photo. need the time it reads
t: 7:44
